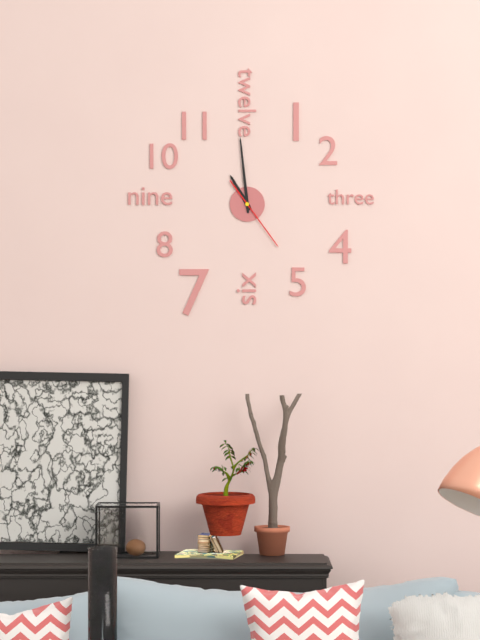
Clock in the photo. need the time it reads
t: 10:59:24
